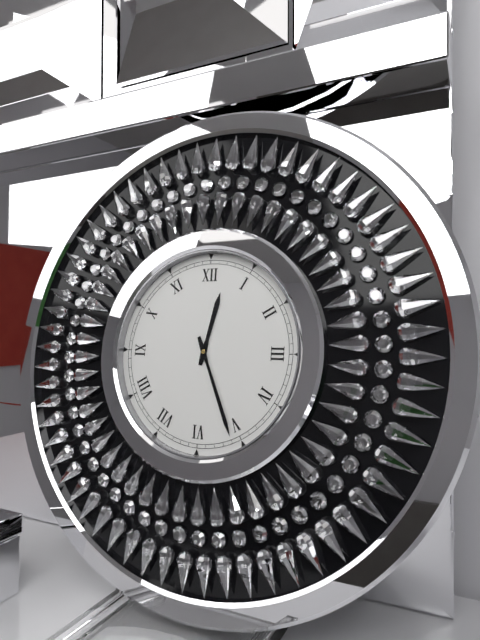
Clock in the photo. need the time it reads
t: 12:26
